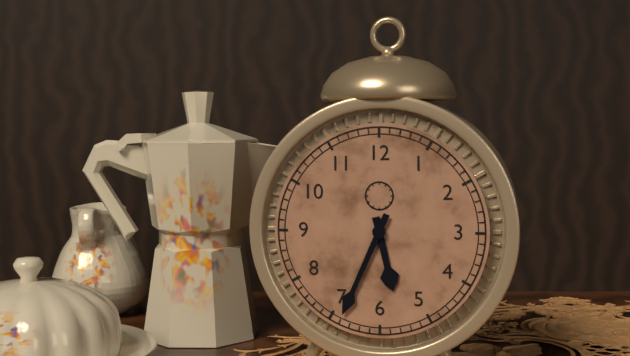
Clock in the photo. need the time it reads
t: 5:34
